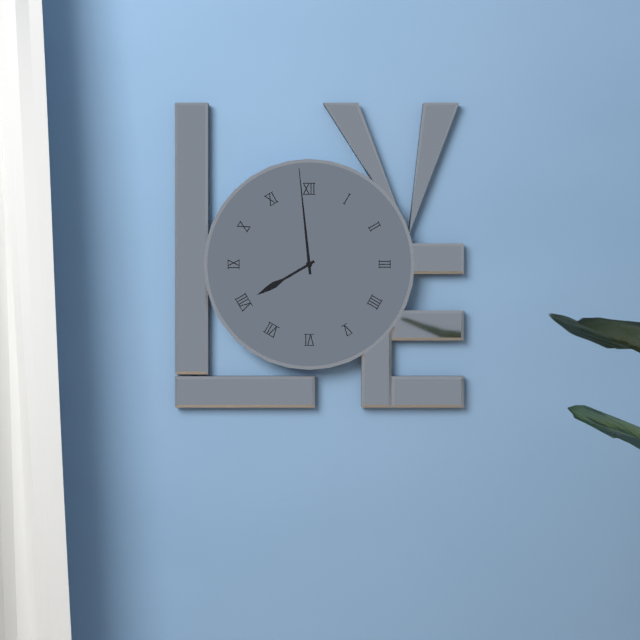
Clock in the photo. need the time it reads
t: 7:59
